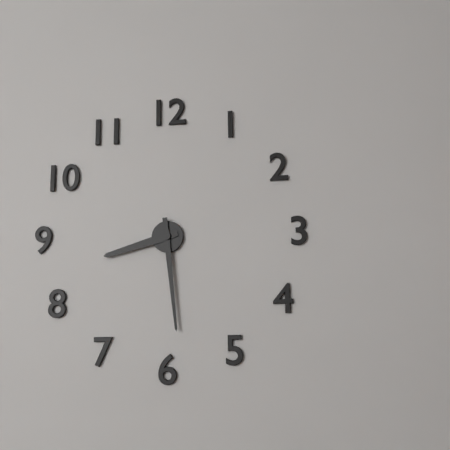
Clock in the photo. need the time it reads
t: 8:29
